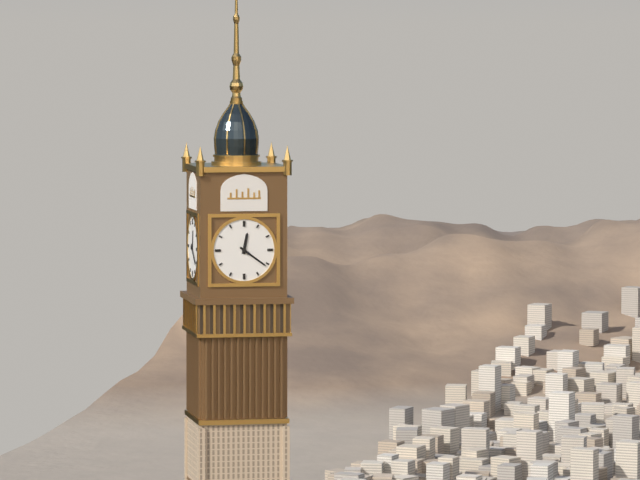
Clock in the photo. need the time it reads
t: 12:21
